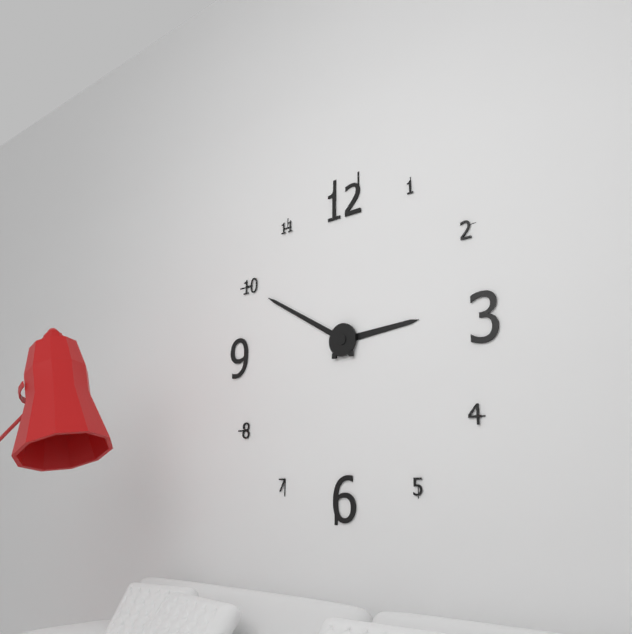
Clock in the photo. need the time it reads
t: 2:50
